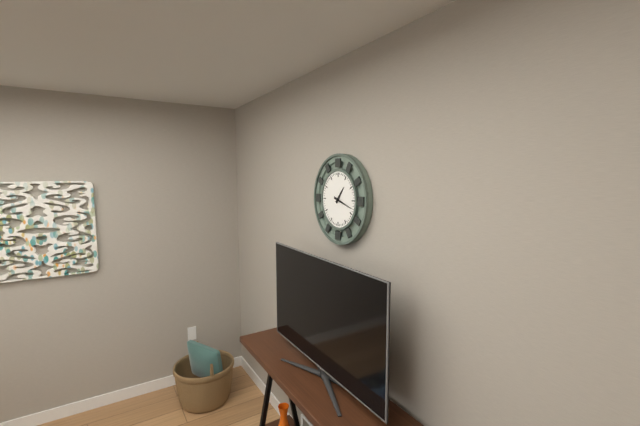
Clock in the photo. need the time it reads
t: 1:18
